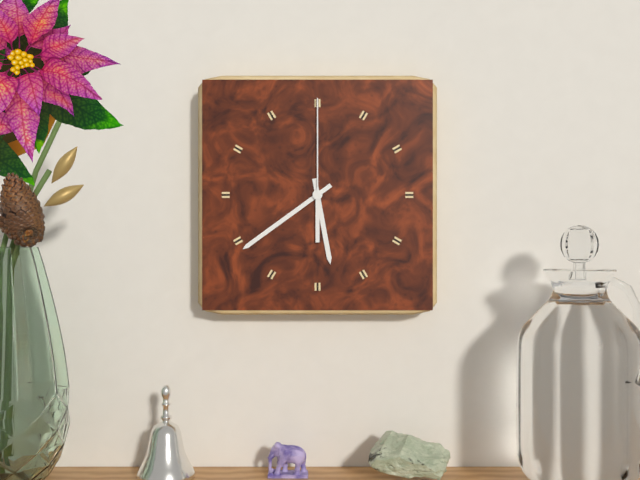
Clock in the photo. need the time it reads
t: 5:39:00
